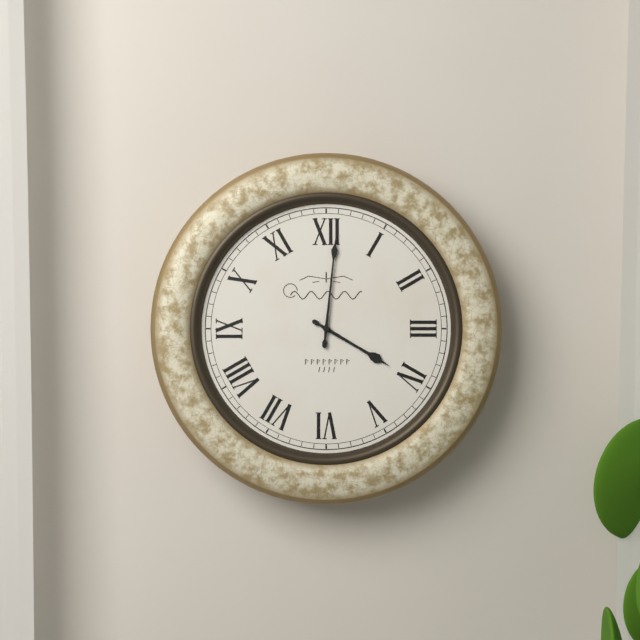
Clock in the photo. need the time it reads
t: 4:01
